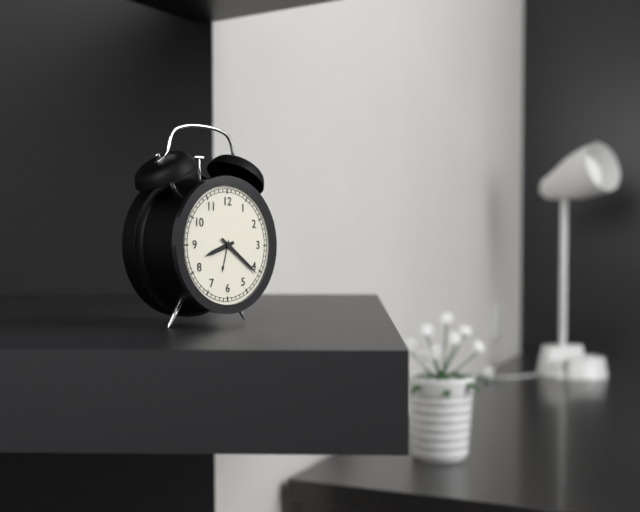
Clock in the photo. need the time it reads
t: 8:21
